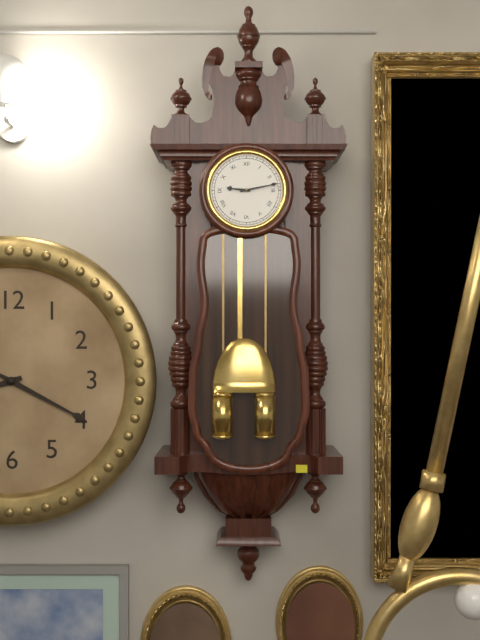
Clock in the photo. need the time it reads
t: 9:13
